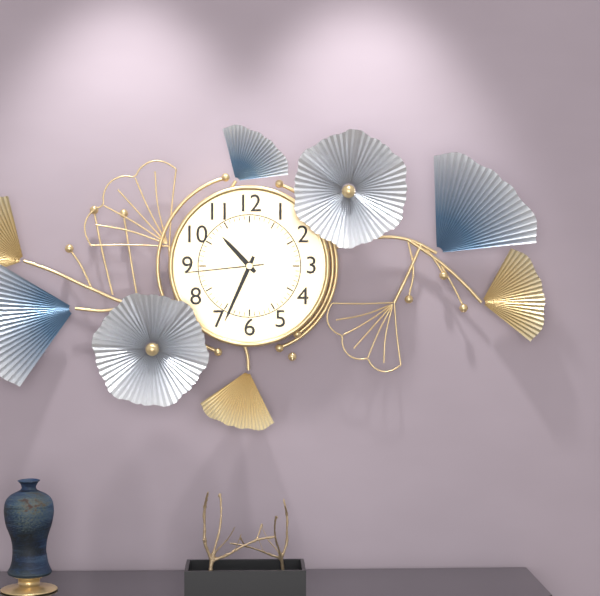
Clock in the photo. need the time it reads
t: 10:34:44
